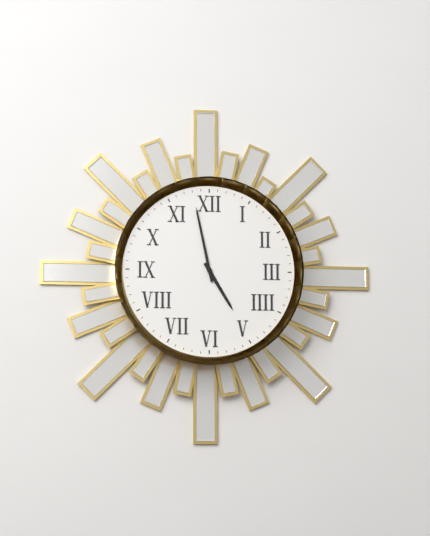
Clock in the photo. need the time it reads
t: 4:58
